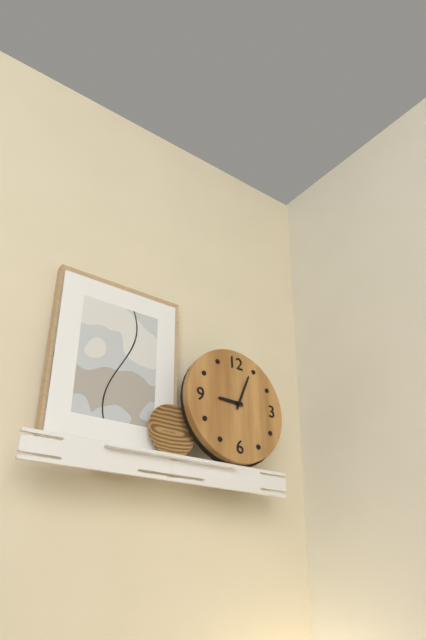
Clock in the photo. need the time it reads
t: 9:04
